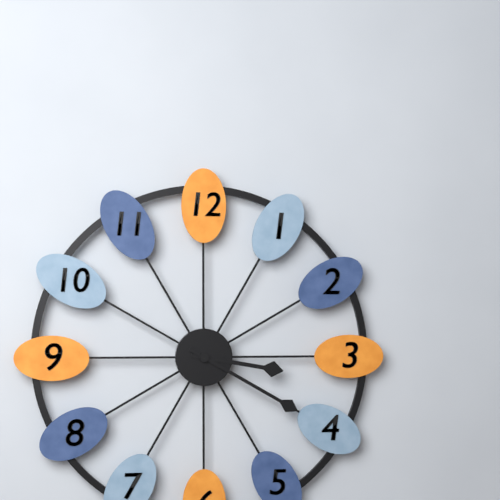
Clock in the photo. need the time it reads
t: 3:20
